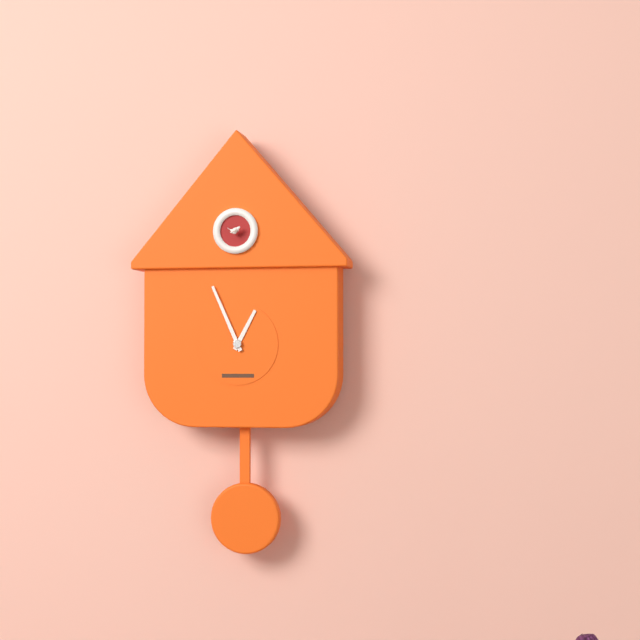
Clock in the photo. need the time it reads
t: 12:56
